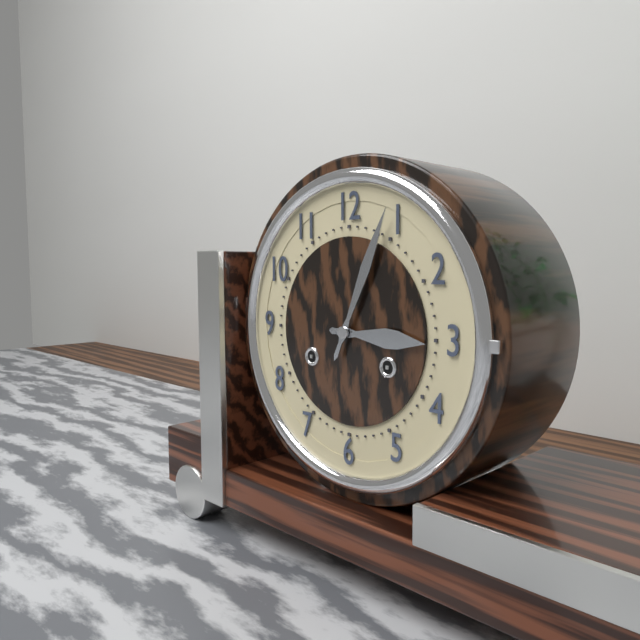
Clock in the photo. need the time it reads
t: 3:04
